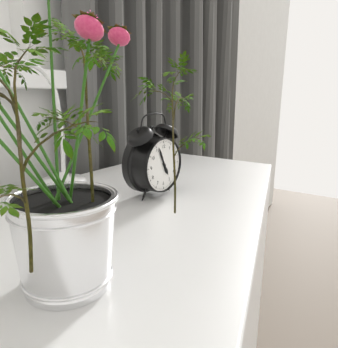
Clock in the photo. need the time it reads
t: 4:56
